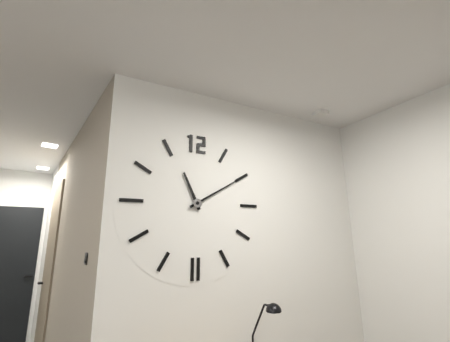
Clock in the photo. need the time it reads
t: 11:10
